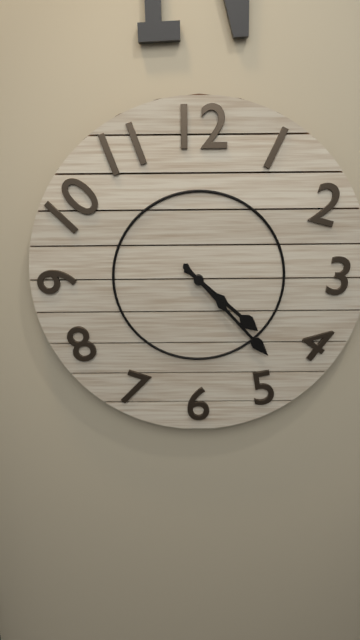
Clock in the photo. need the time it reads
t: 4:23
